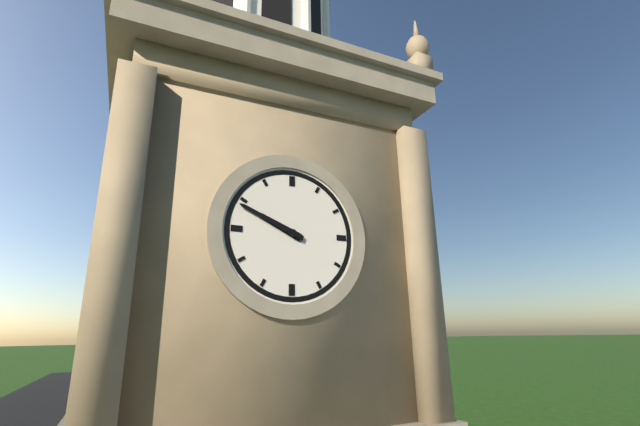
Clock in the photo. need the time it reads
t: 9:49
